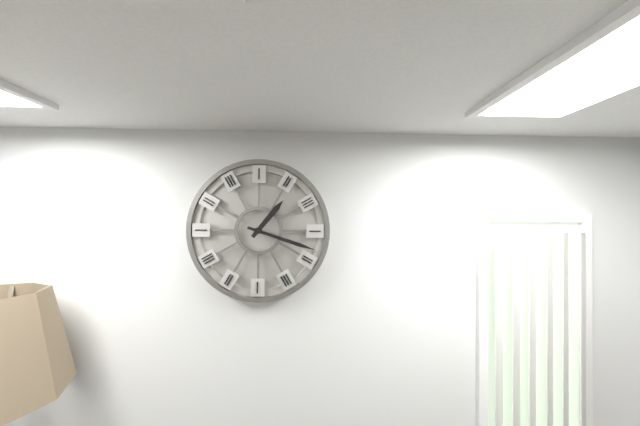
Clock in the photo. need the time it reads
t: 1:18
